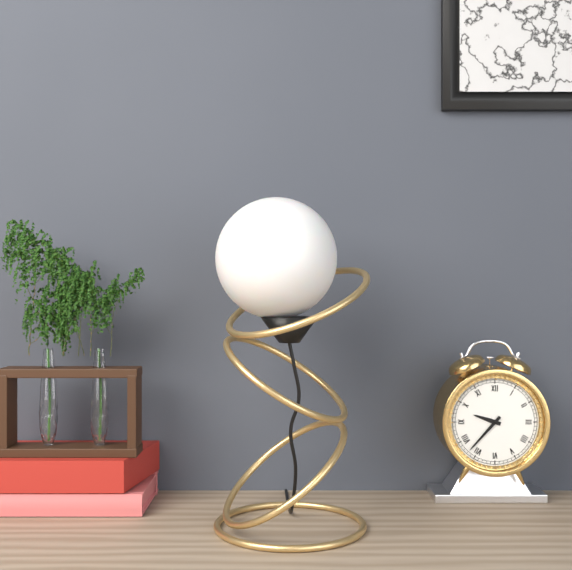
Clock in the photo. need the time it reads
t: 9:37
